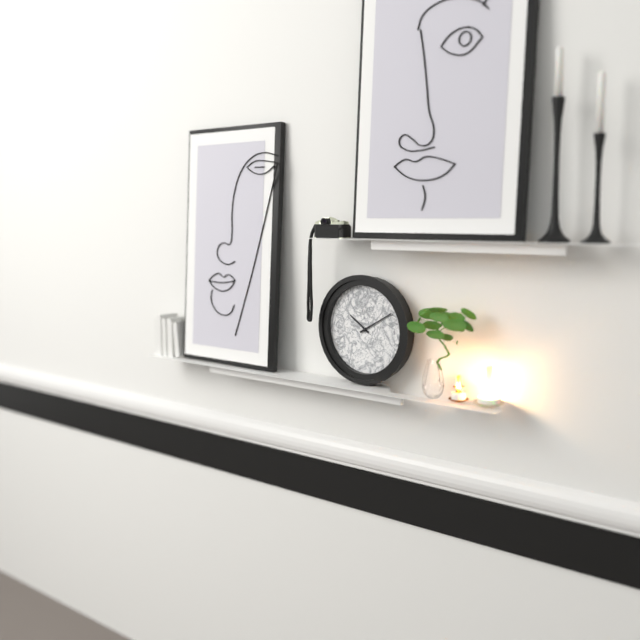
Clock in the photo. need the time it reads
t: 10:10
